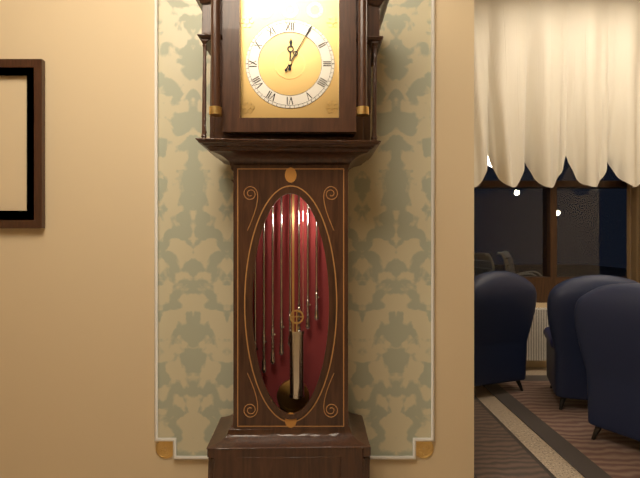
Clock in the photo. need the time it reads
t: 12:05
